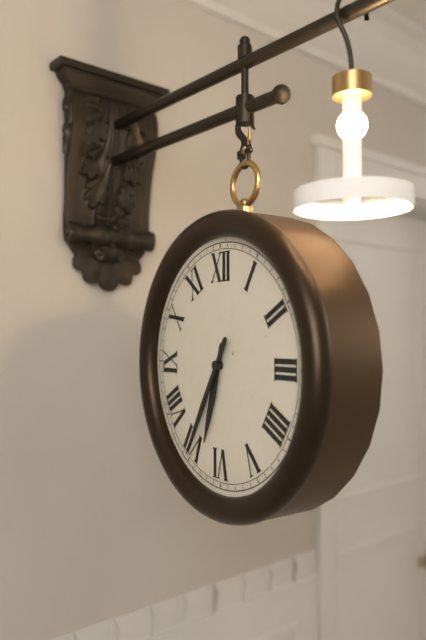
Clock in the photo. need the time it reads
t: 6:35
